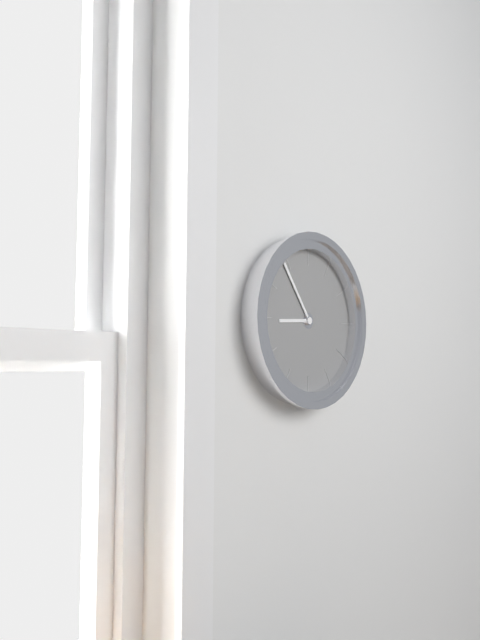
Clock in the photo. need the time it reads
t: 8:54
